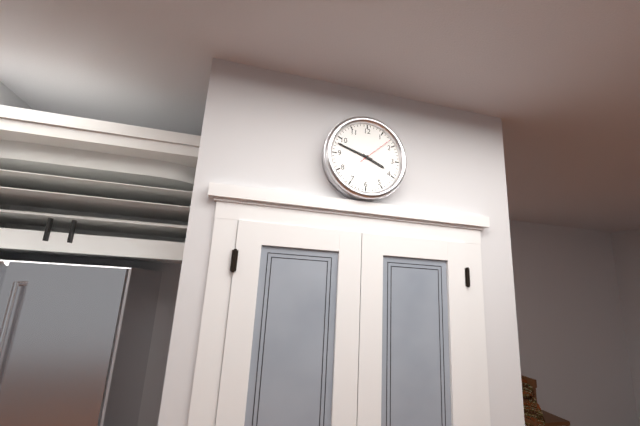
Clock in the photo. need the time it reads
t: 3:48
